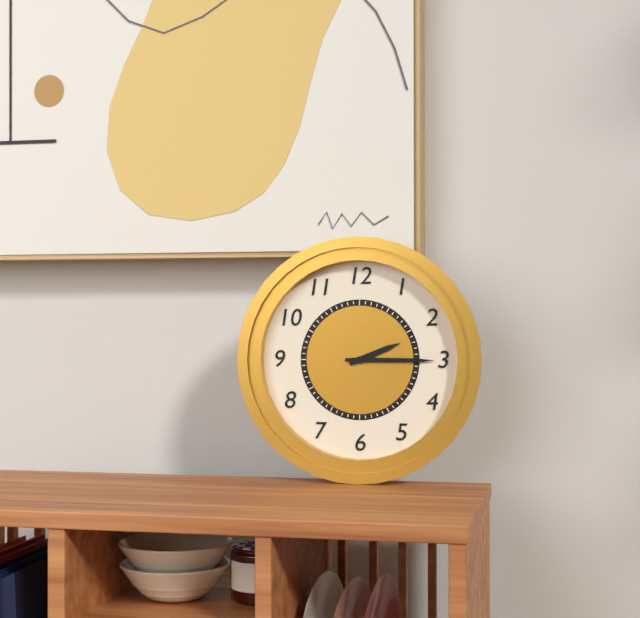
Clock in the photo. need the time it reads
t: 2:15
